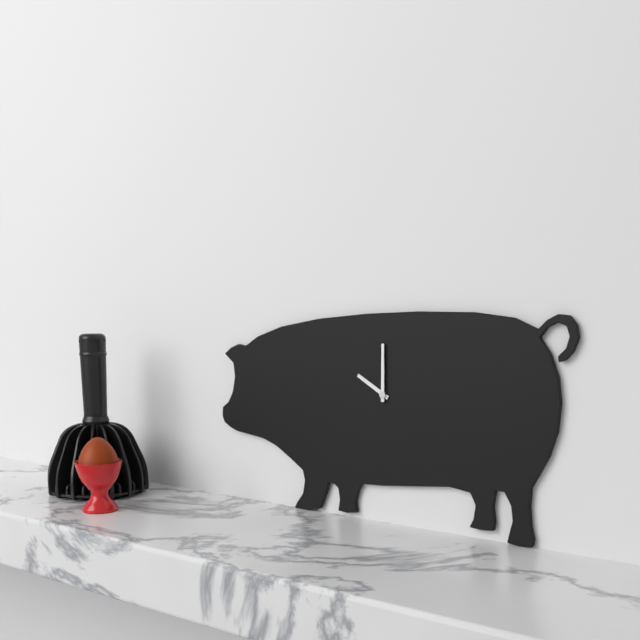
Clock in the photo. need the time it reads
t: 10:00
